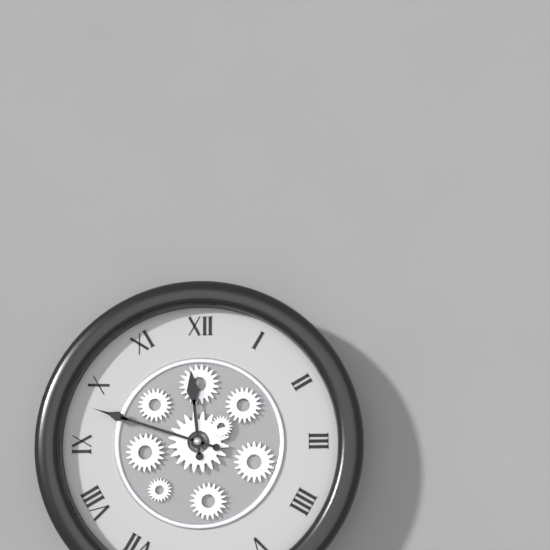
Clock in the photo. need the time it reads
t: 11:48
